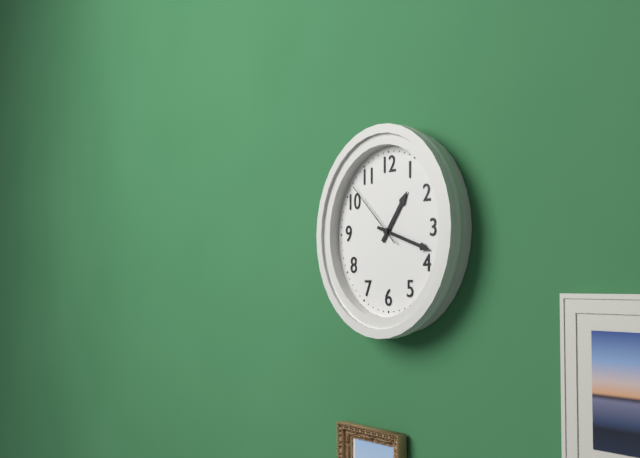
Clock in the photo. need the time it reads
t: 1:18:52
